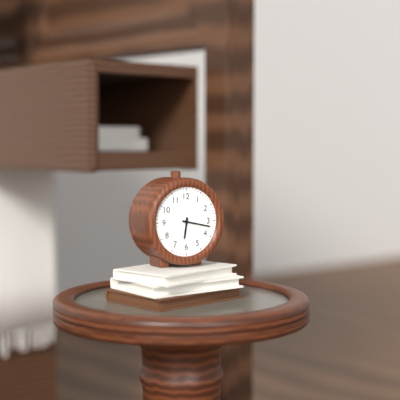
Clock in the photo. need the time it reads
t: 6:17
